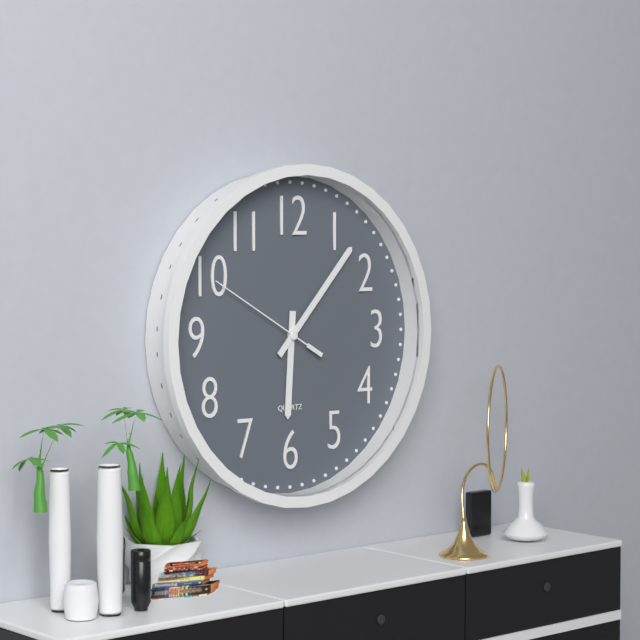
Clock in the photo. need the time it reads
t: 6:07:50
